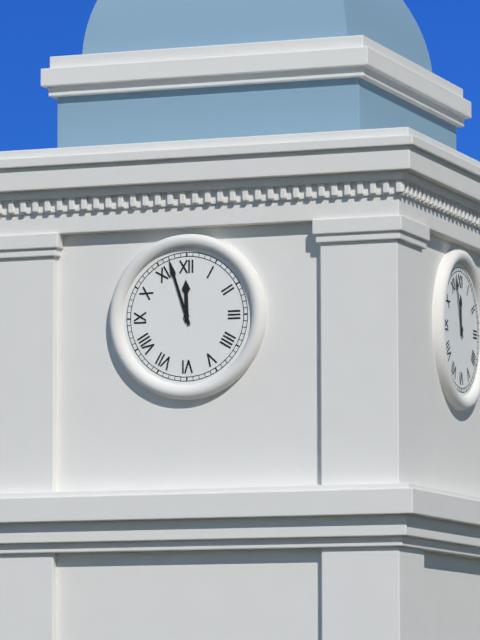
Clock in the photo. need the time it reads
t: 11:57
